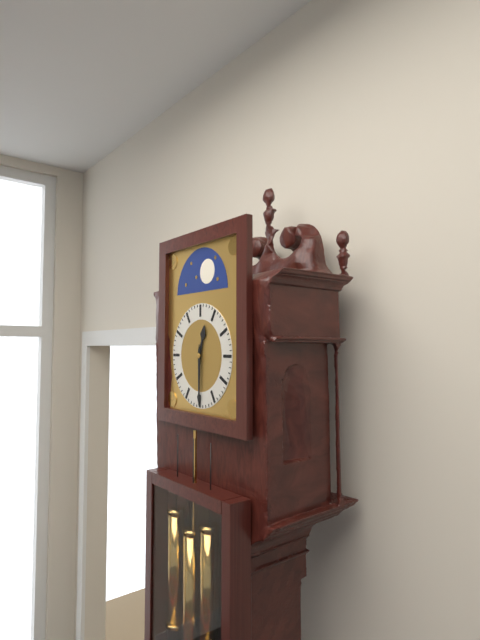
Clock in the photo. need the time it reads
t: 12:30
